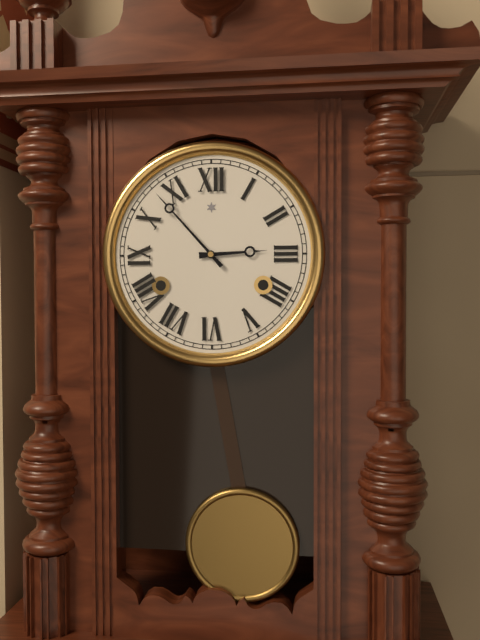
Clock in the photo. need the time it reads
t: 2:53
